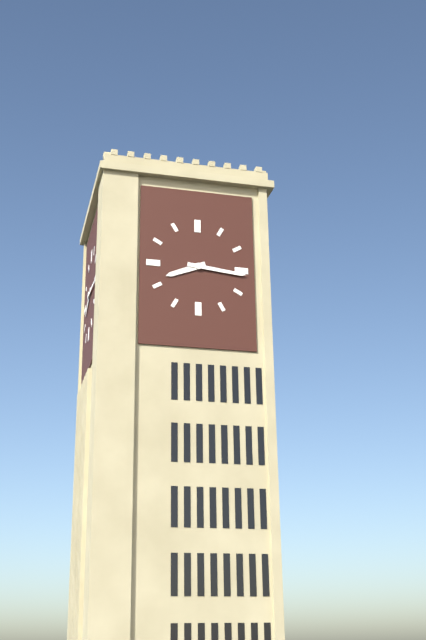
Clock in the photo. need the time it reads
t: 8:16
